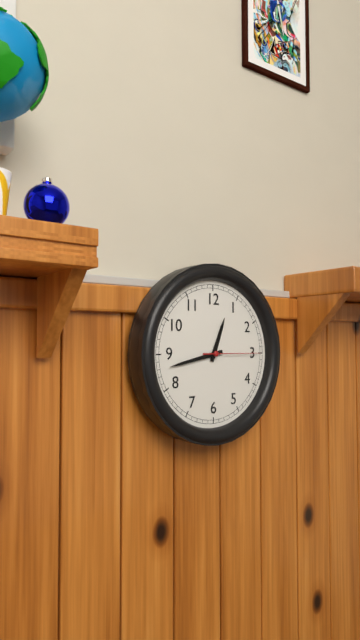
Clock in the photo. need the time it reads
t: 12:43:15
